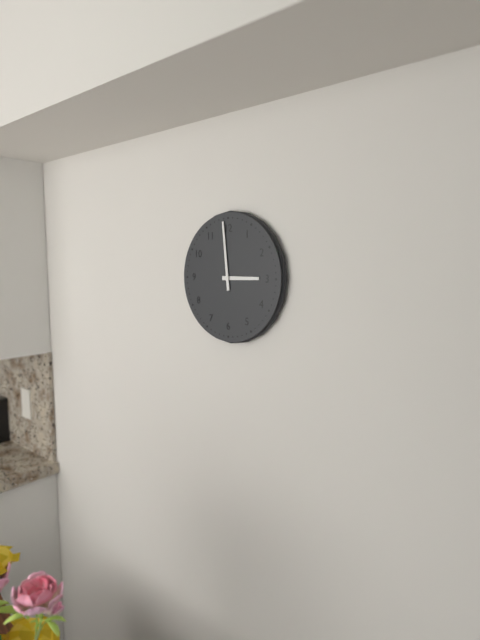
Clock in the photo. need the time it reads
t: 2:59
